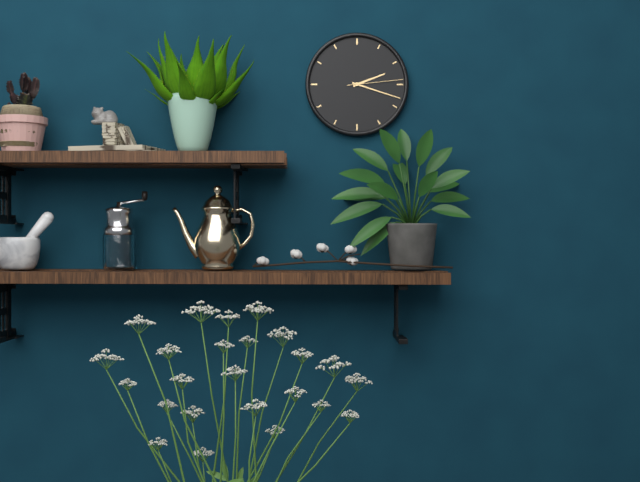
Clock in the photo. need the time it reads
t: 2:18:14
